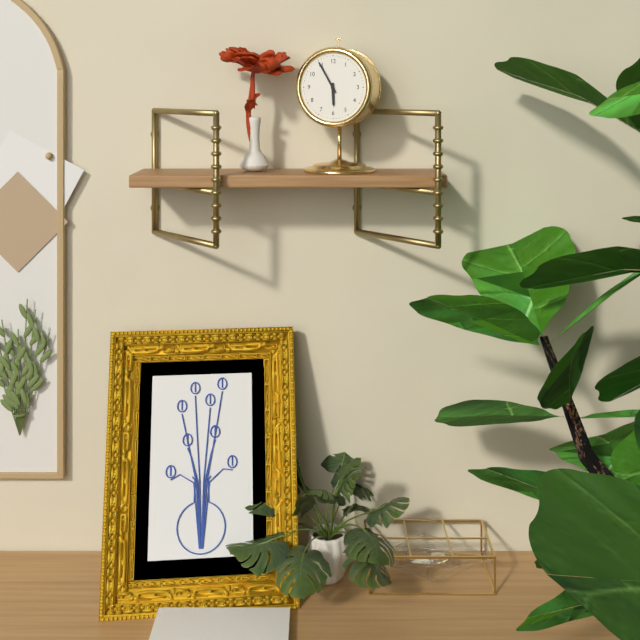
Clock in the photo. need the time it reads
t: 5:55
